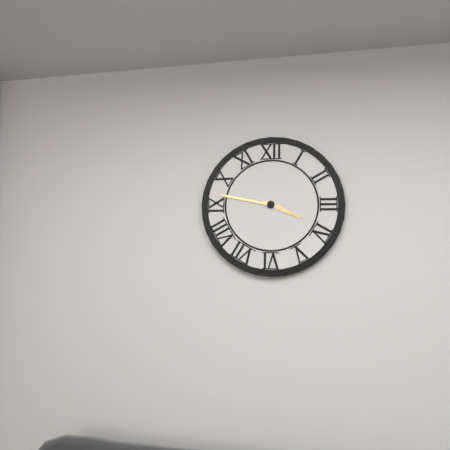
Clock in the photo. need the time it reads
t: 3:47
